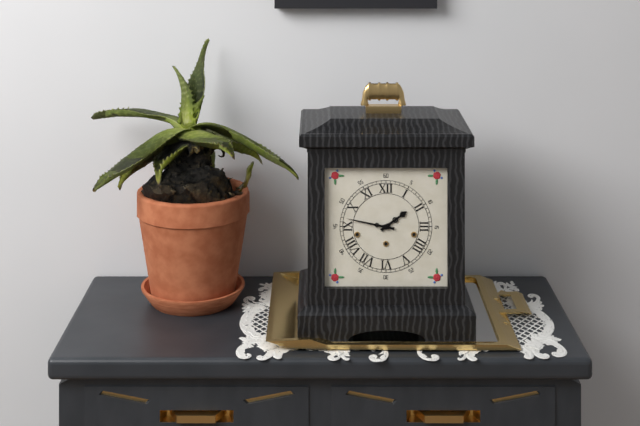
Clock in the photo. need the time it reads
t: 1:47
